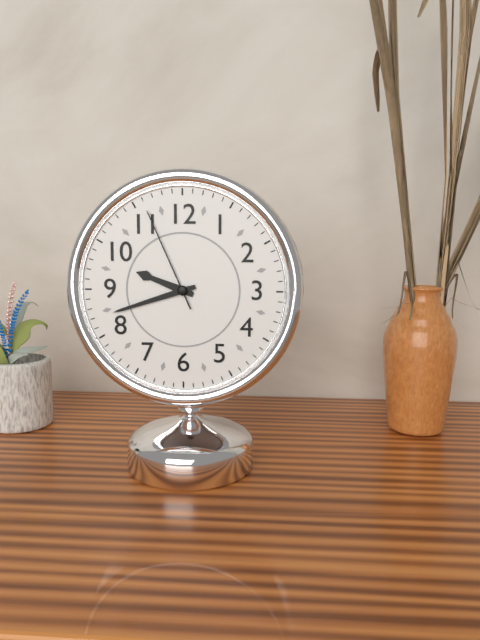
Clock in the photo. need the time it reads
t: 9:42:56
